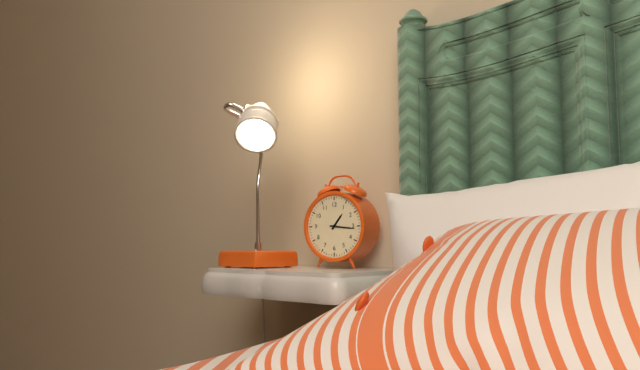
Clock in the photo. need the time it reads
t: 1:16
